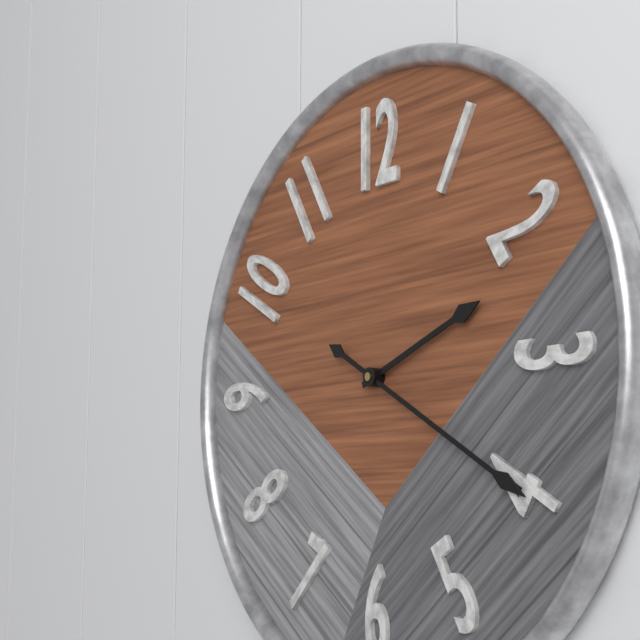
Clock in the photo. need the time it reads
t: 2:20
